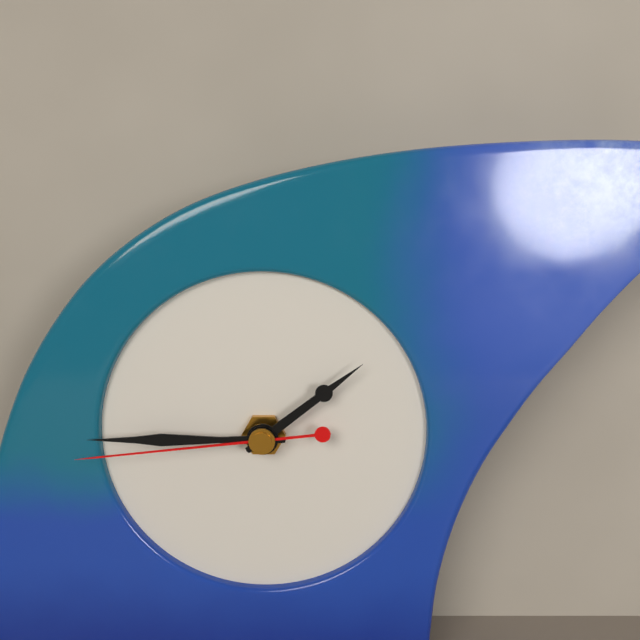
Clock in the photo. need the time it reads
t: 1:45:44
